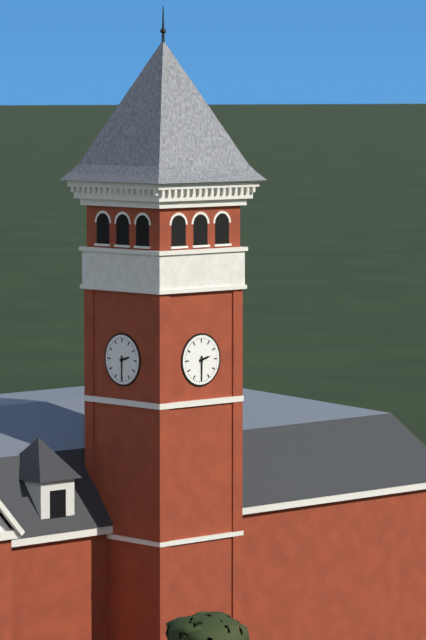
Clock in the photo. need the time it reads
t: 2:30
